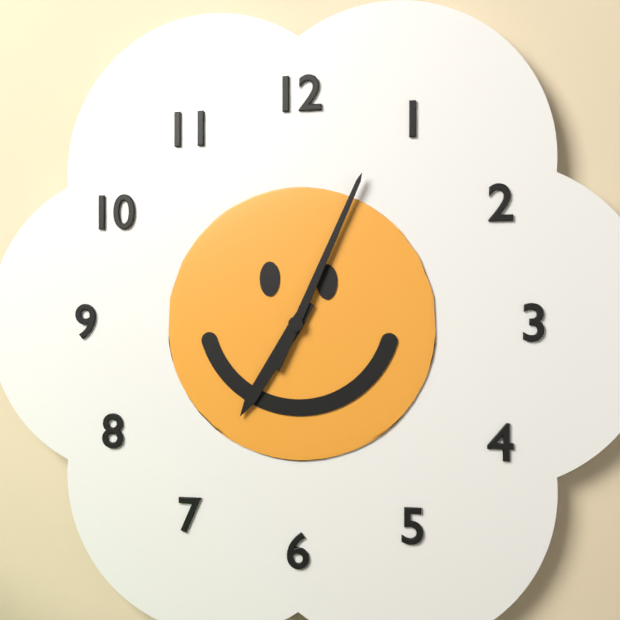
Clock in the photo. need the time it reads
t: 7:04
